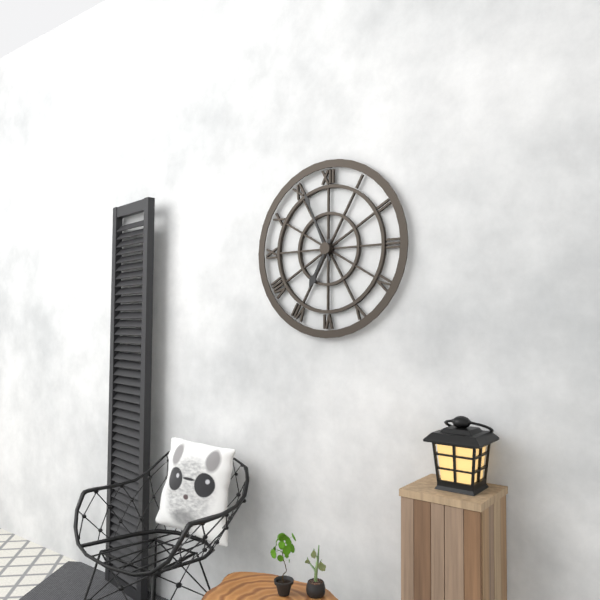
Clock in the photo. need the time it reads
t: 6:56
